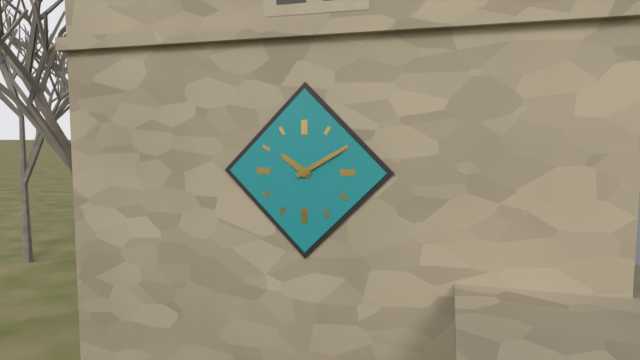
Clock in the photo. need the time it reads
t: 10:10
